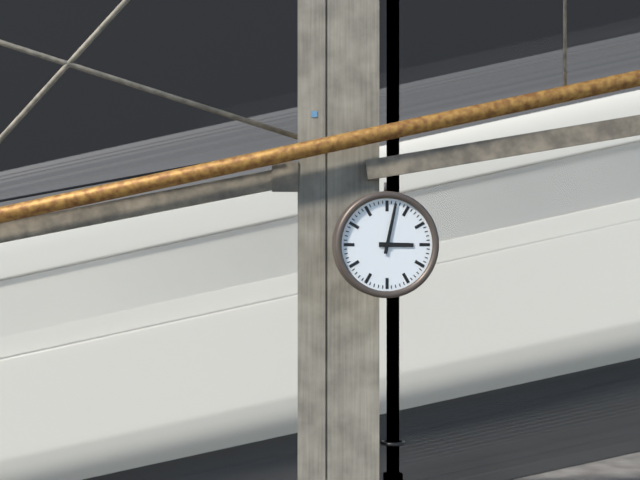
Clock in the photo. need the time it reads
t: 3:02
